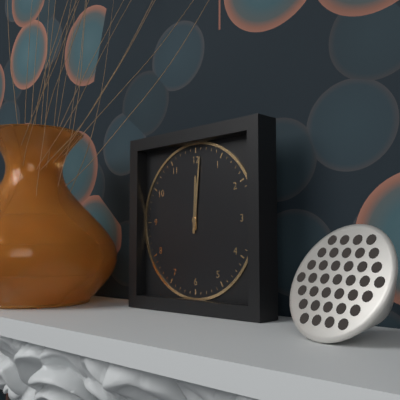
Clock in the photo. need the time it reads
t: 12:01
